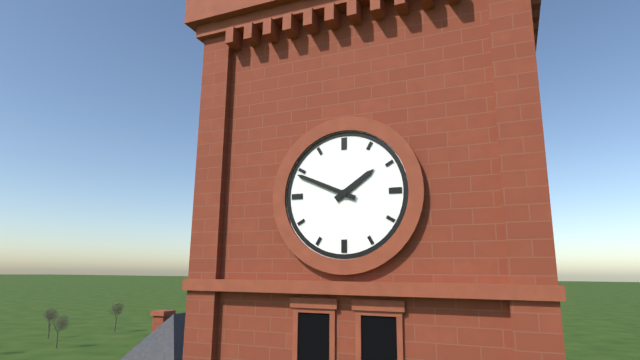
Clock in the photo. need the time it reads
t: 1:49
